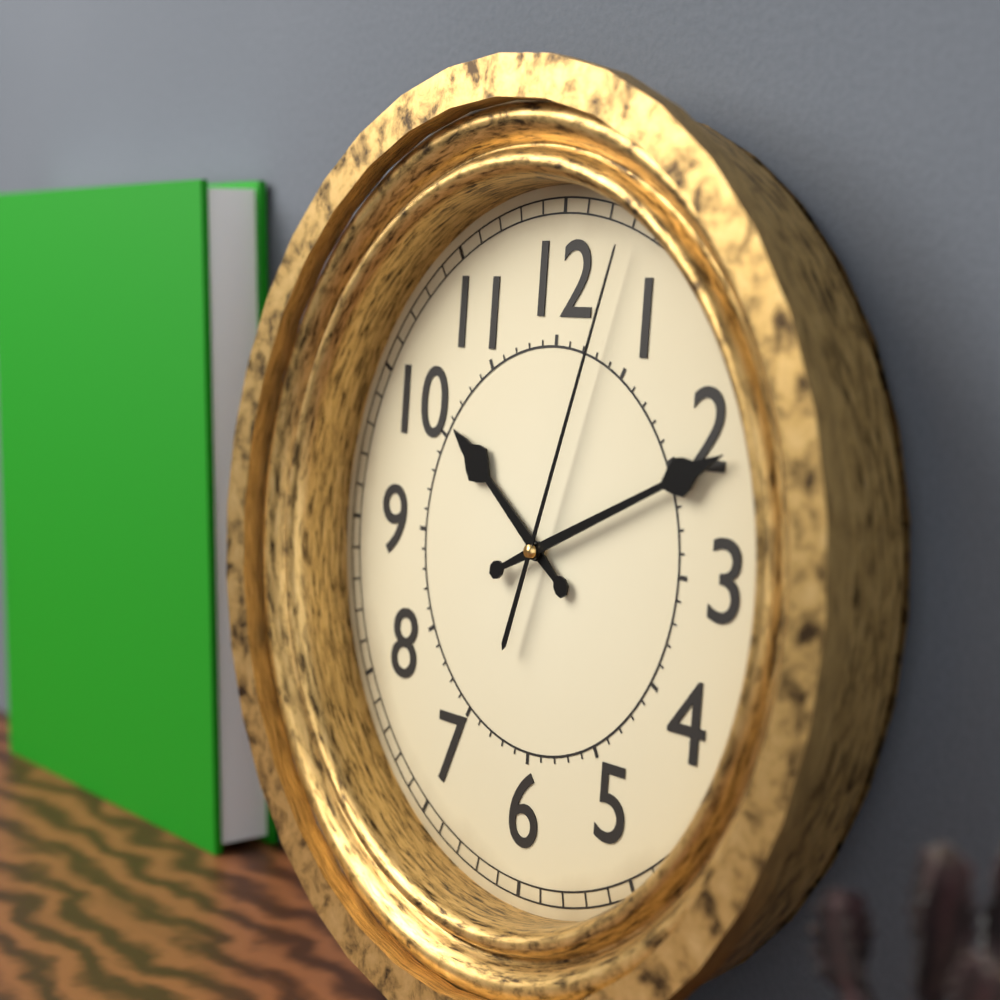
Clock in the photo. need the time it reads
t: 10:11:03
